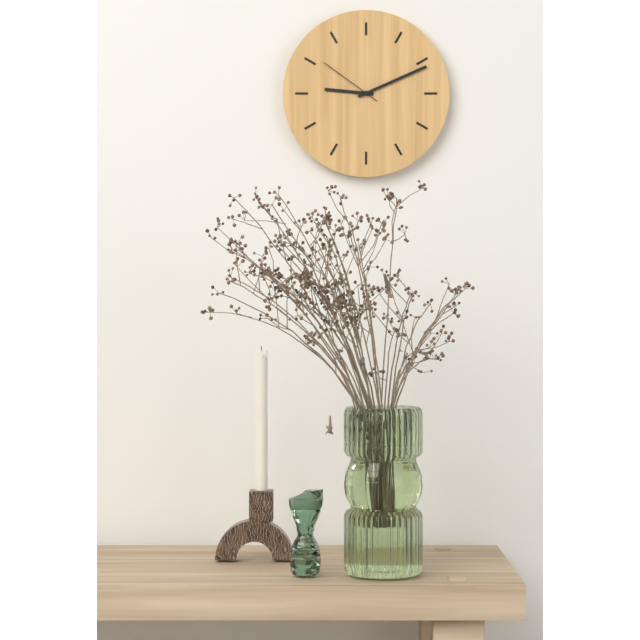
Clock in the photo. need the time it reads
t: 9:11:51
